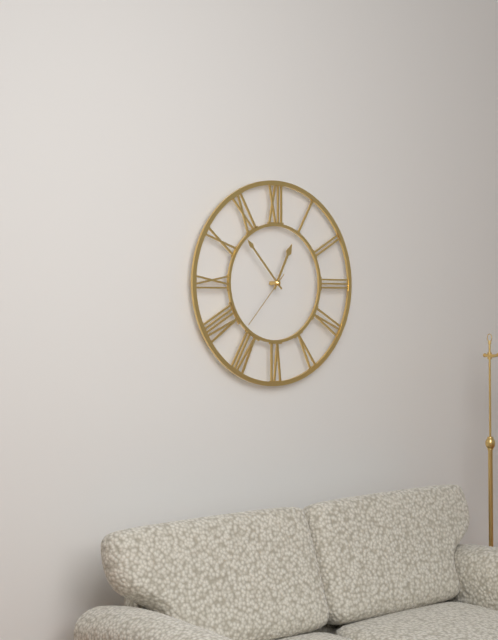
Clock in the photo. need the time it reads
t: 12:53:37
